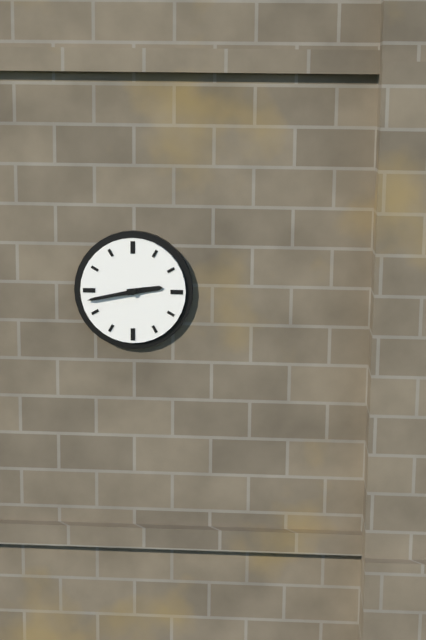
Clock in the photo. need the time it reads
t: 2:43
